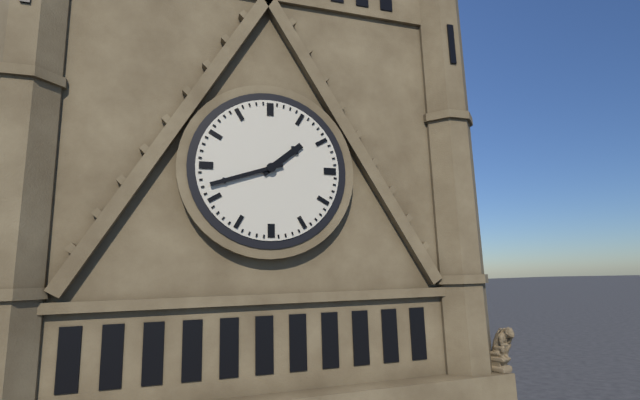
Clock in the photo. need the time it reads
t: 1:42
